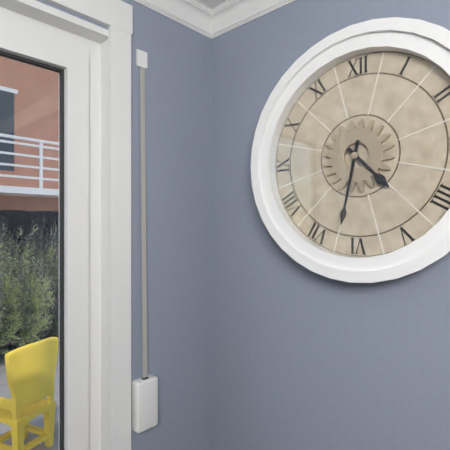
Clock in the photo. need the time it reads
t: 4:32
